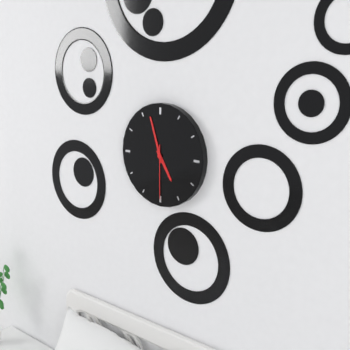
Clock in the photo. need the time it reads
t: 4:57:30
